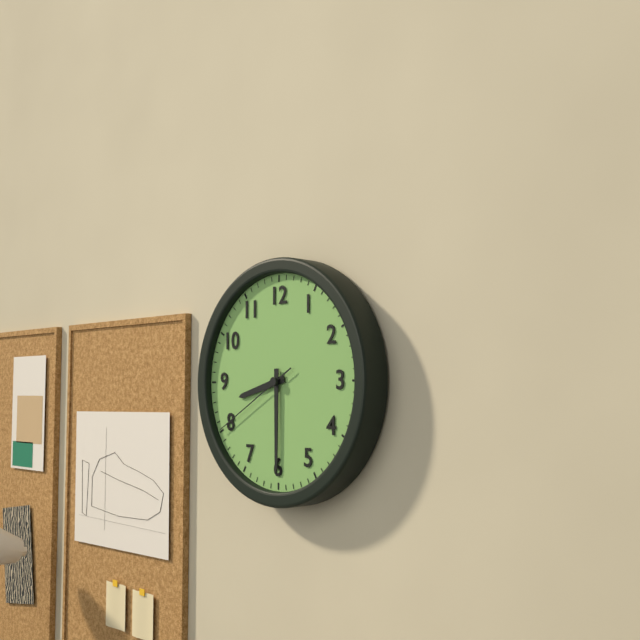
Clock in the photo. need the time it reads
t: 8:30:40
